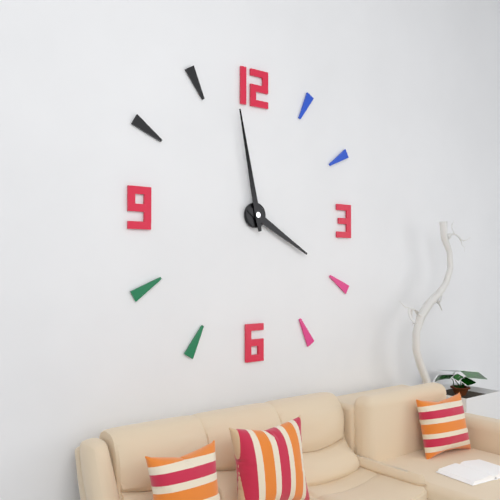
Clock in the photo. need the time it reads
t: 3:58
